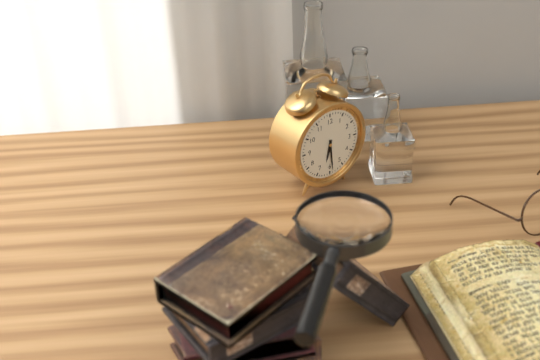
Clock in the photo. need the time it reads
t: 6:29
